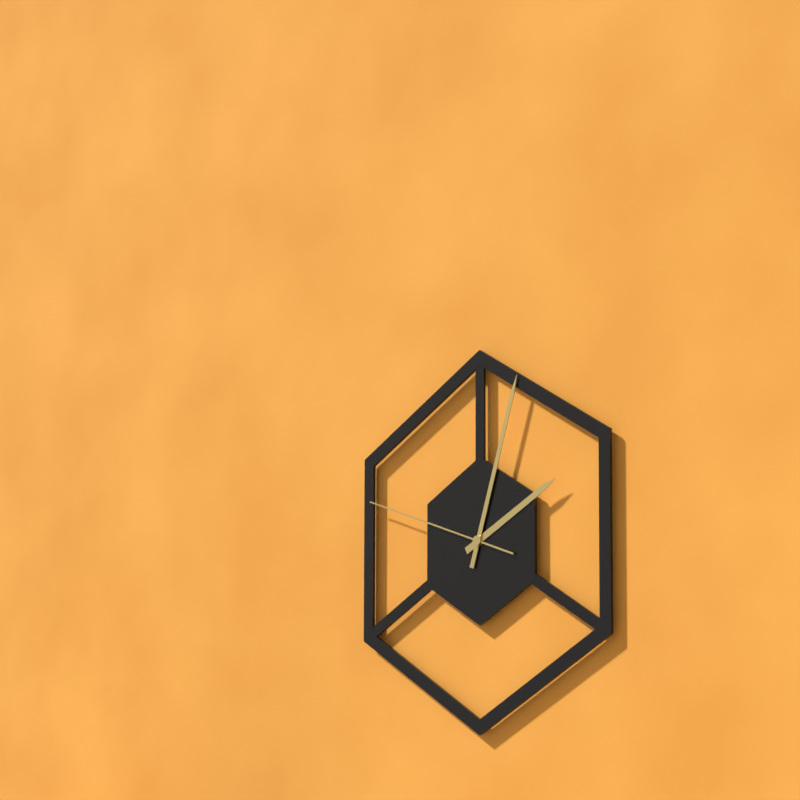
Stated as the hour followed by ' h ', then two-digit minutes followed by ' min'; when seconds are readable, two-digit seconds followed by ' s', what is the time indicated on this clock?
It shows 2 h 03 min 48 s
